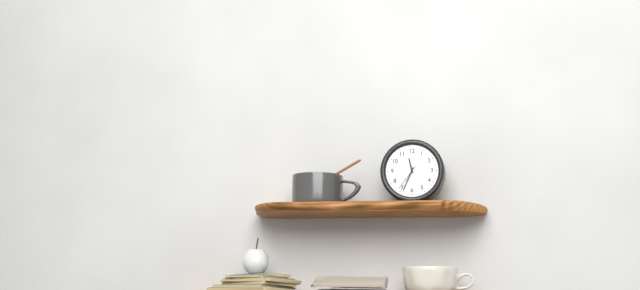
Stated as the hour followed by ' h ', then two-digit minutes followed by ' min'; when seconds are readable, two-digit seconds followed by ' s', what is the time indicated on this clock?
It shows 11 h 34 min
